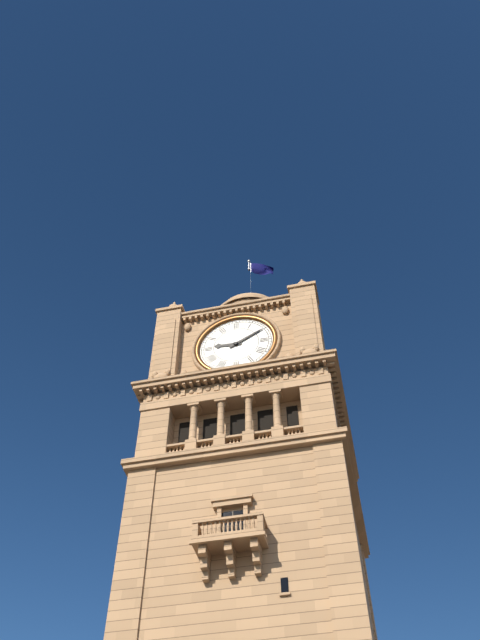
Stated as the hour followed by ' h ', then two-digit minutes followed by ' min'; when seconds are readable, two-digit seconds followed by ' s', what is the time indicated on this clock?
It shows 9 h 10 min
